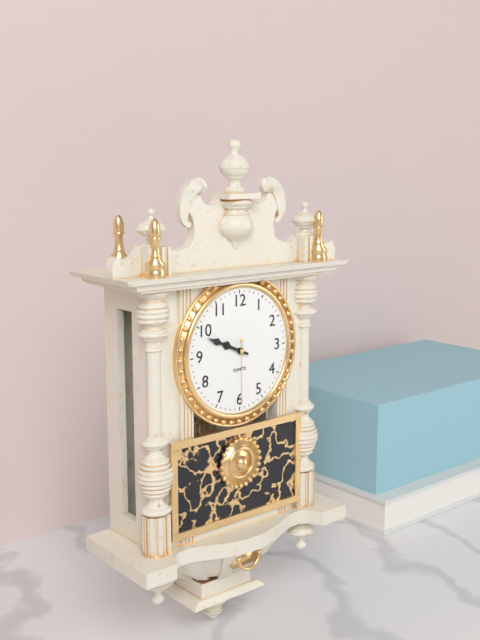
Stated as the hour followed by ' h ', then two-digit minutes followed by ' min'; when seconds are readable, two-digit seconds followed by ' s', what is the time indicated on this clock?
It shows 9 h 49 min 30 s
